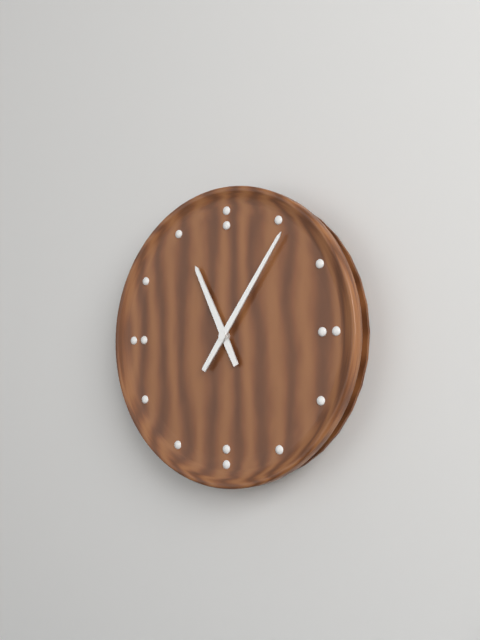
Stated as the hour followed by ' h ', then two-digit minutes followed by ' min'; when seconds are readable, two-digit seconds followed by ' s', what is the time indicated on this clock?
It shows 11 h 06 min
